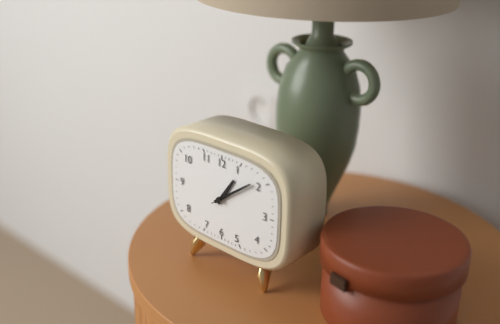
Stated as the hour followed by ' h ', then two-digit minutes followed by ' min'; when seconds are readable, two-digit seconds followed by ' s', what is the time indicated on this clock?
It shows 1 h 09 min
